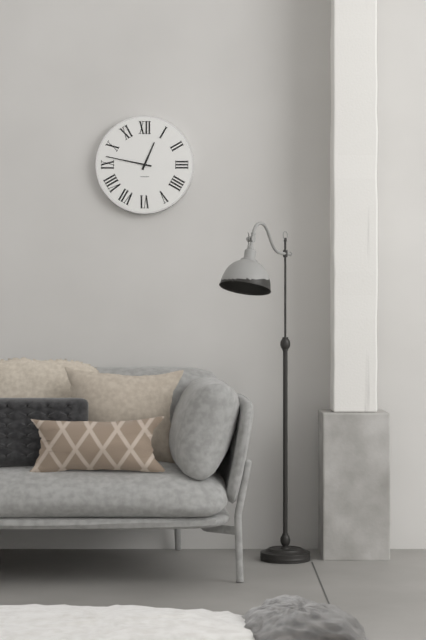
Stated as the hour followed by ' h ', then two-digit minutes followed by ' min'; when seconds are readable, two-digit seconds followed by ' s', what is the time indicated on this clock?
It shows 12 h 47 min
